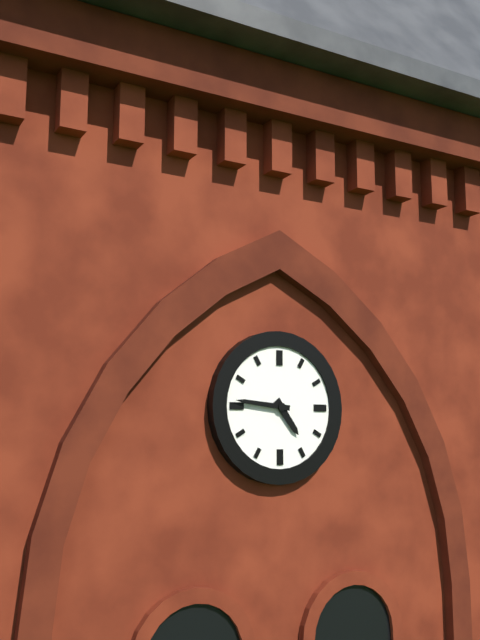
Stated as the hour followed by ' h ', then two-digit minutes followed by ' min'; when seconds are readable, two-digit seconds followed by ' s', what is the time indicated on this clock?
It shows 4 h 46 min
